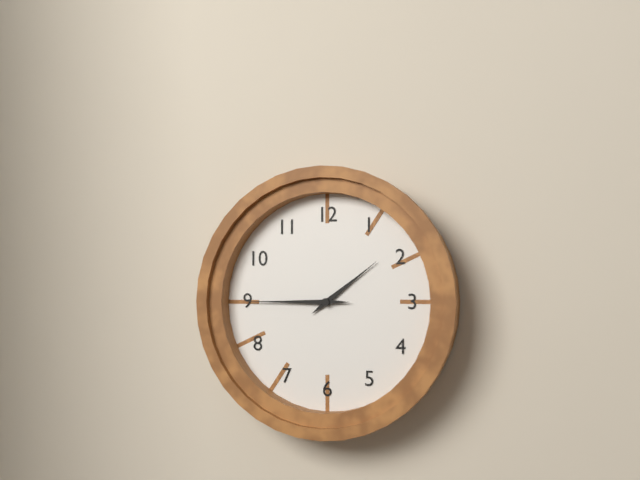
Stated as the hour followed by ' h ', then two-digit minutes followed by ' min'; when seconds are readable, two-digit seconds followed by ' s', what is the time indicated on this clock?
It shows 1 h 45 min
